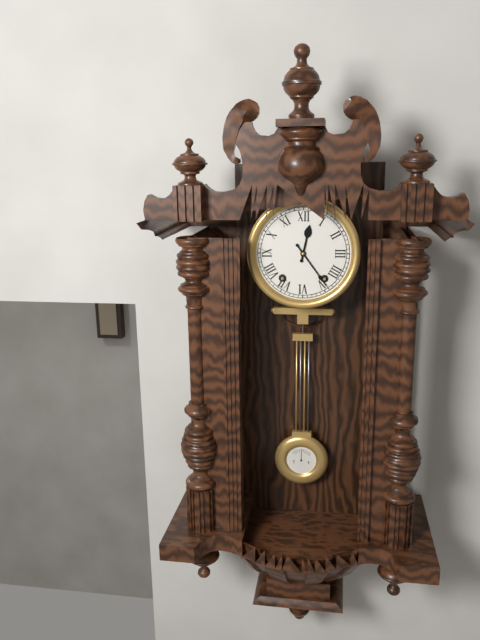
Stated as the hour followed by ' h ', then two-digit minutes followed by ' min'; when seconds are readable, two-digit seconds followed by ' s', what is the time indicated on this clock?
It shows 12 h 24 min
